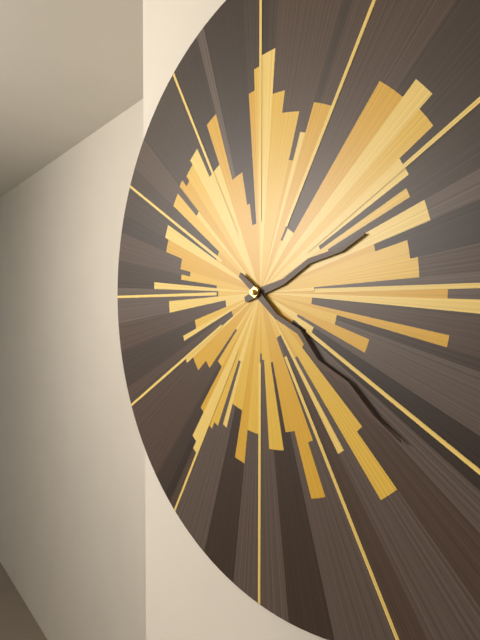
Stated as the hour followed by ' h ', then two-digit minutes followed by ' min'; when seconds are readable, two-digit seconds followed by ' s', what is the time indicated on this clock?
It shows 2 h 21 min
